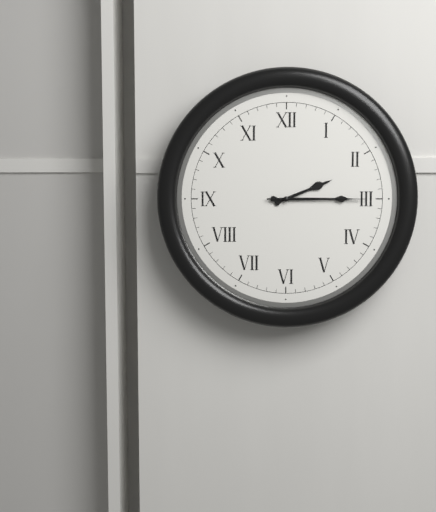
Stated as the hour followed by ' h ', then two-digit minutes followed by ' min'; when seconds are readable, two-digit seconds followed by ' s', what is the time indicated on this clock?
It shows 2 h 15 min 15 s
